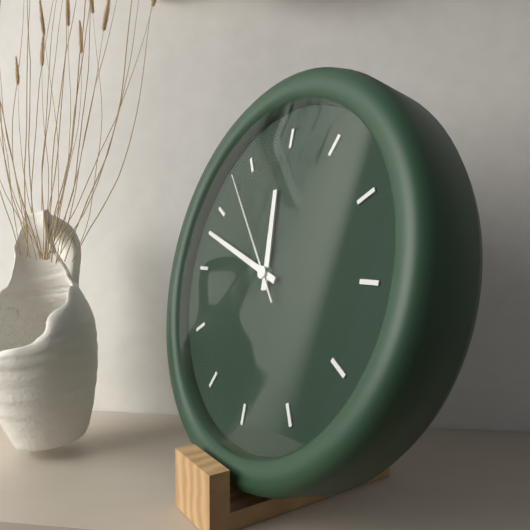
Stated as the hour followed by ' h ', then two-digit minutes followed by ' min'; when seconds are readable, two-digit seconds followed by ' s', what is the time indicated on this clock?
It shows 11 h 48 min 53 s
